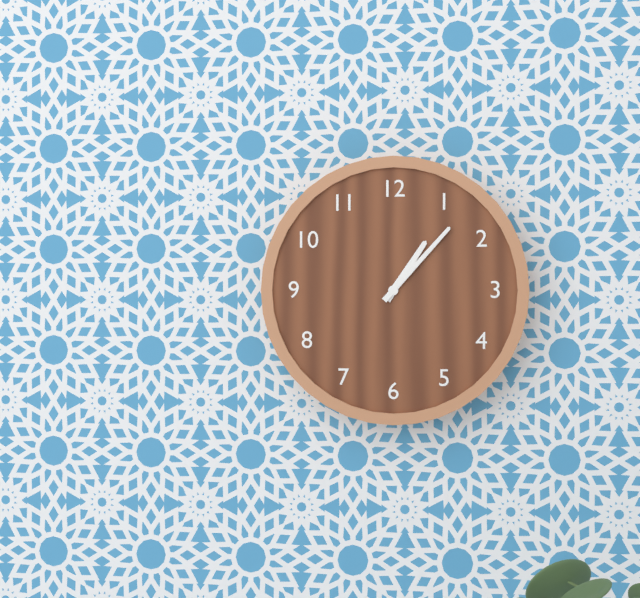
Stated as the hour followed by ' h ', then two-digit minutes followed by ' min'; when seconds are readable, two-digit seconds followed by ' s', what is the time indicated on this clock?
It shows 1 h 07 min
